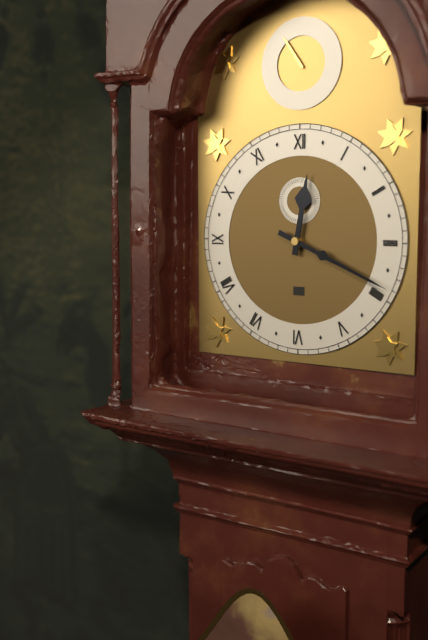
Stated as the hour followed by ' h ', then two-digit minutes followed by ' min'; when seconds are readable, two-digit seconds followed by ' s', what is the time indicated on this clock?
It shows 12 h 19 min
